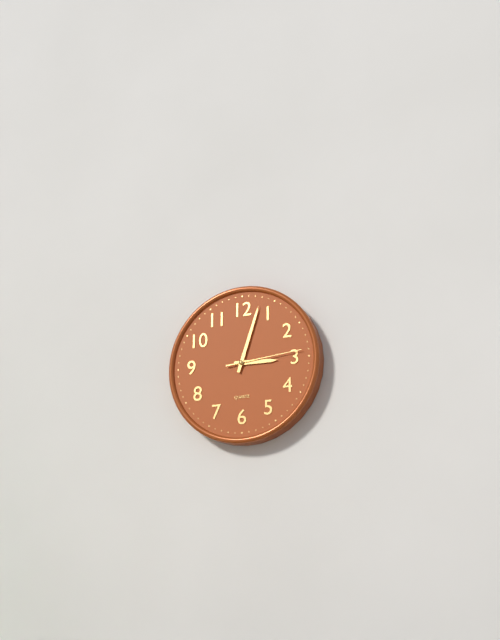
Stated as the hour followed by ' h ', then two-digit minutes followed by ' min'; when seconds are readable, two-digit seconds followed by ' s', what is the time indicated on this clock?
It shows 3 h 03 min 14 s
